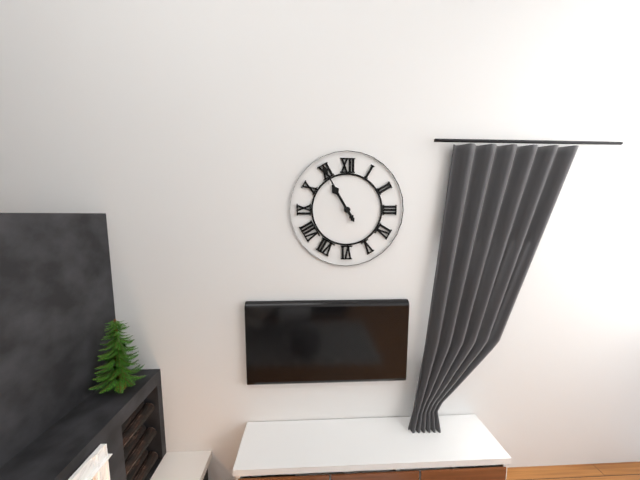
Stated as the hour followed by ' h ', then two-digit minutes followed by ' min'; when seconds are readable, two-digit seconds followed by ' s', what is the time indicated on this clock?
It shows 10 h 55 min
